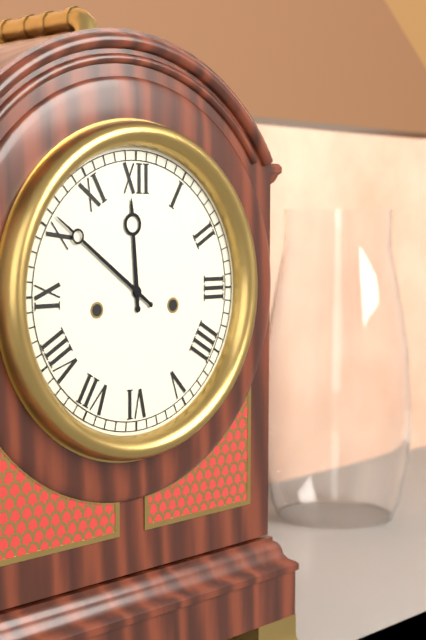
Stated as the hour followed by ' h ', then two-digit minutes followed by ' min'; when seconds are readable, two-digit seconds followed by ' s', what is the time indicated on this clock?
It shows 11 h 51 min
